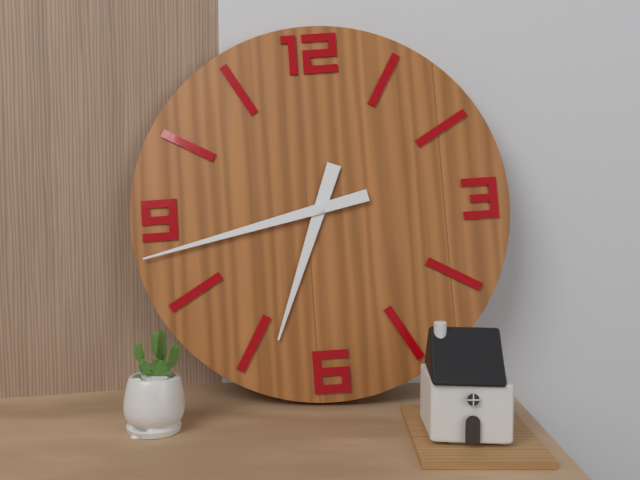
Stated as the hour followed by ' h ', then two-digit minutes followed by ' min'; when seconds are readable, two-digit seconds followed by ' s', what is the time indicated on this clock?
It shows 6 h 43 min
